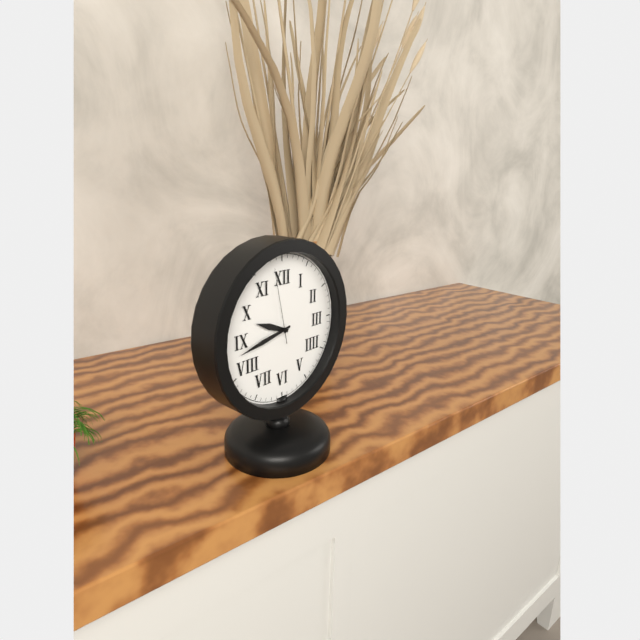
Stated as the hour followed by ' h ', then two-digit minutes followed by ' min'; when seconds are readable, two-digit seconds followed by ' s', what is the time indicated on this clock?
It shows 9 h 43 min 58 s
